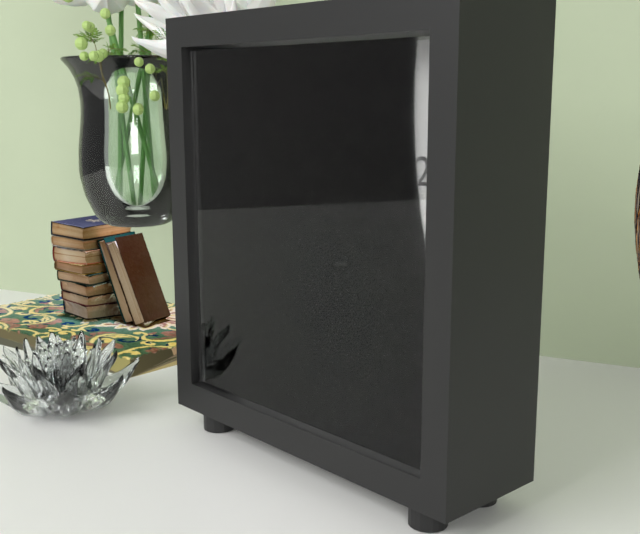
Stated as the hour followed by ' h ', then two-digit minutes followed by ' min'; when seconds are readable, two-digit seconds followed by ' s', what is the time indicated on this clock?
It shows 7 h 13 min
